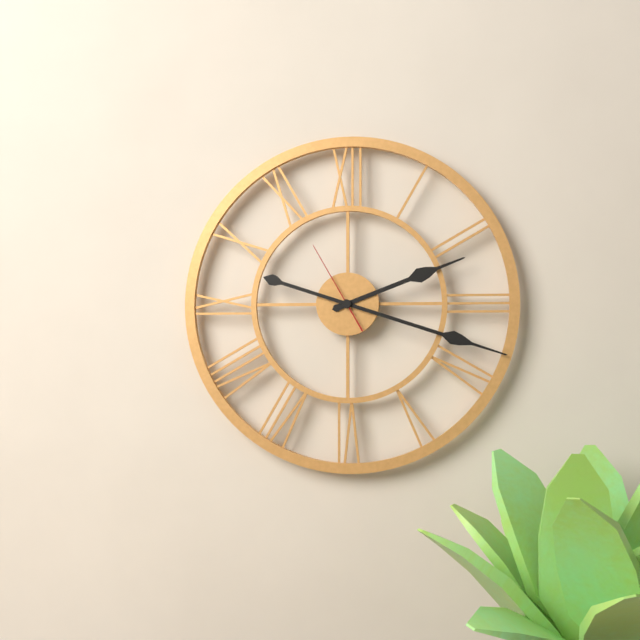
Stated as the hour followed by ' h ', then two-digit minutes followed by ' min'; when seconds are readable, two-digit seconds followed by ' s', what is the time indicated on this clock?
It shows 2 h 18 min 55 s
